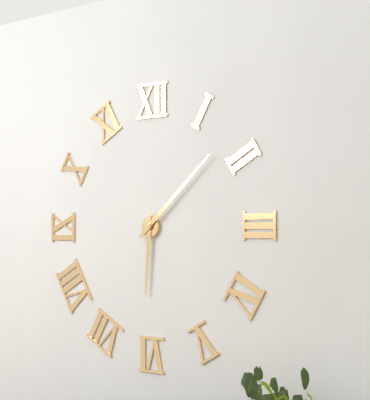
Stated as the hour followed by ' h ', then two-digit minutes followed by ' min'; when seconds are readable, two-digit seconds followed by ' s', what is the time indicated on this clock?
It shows 6 h 08 min
